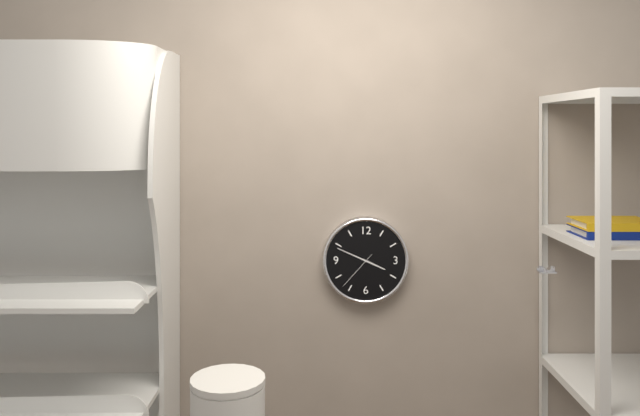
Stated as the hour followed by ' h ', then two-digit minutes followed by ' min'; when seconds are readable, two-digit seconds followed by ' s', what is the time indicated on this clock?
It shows 3 h 49 min
